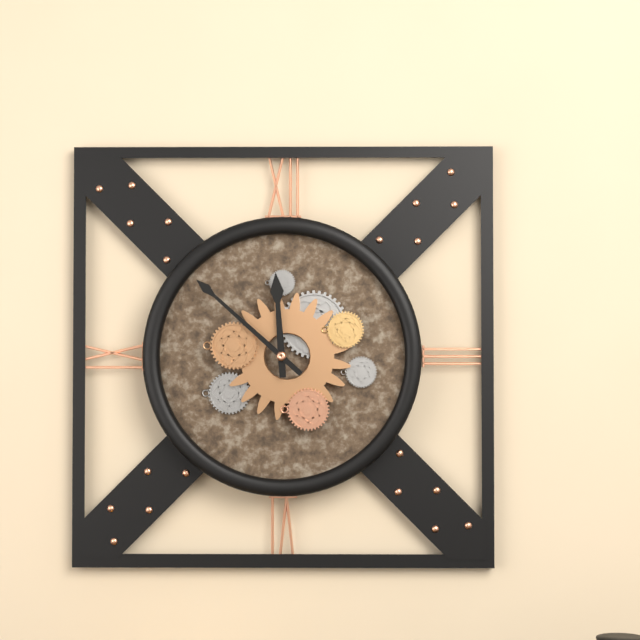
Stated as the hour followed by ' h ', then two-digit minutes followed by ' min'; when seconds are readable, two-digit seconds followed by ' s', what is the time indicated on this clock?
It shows 11 h 52 min
